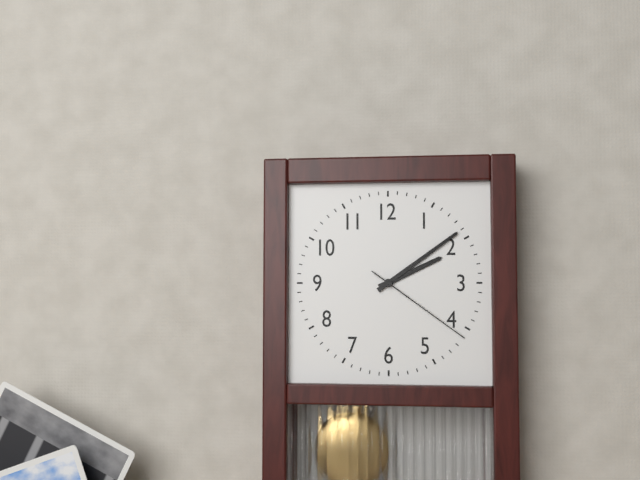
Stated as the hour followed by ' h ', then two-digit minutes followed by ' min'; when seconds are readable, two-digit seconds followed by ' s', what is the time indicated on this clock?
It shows 2 h 09 min 21 s
